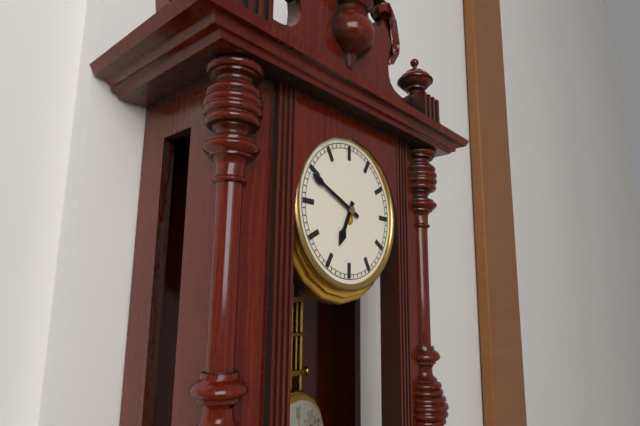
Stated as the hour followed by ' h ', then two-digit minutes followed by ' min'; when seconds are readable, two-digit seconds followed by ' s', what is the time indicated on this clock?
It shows 6 h 49 min
